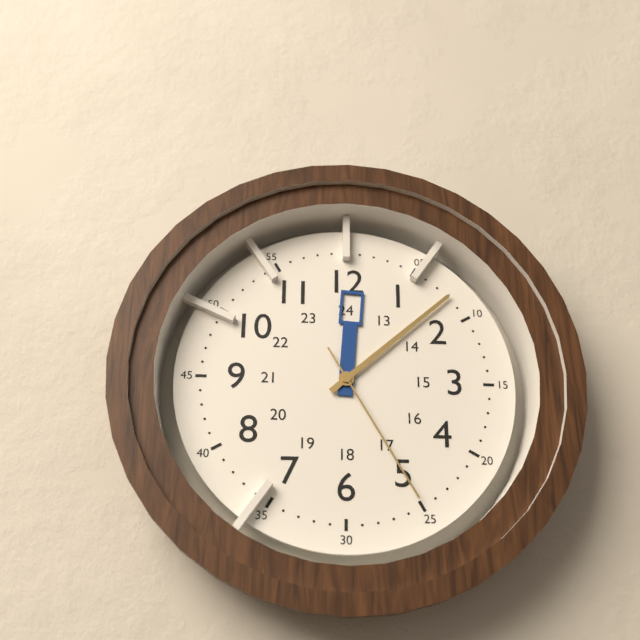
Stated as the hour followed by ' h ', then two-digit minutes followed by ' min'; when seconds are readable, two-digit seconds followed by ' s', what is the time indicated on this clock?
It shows 12 h 08 min 25 s
